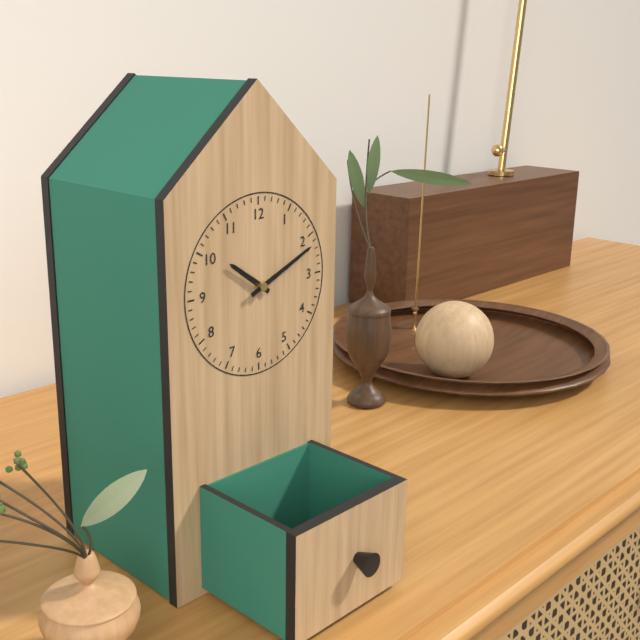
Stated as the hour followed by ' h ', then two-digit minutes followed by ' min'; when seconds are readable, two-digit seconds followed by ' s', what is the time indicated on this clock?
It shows 10 h 11 min
